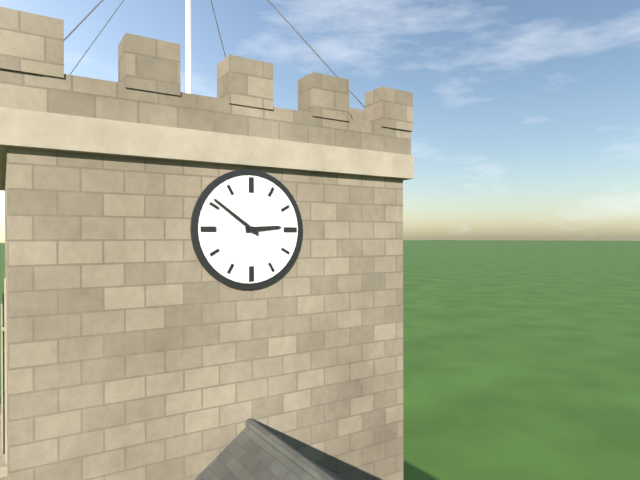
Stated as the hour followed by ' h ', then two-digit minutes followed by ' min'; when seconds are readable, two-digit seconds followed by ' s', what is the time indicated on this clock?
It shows 2 h 51 min
